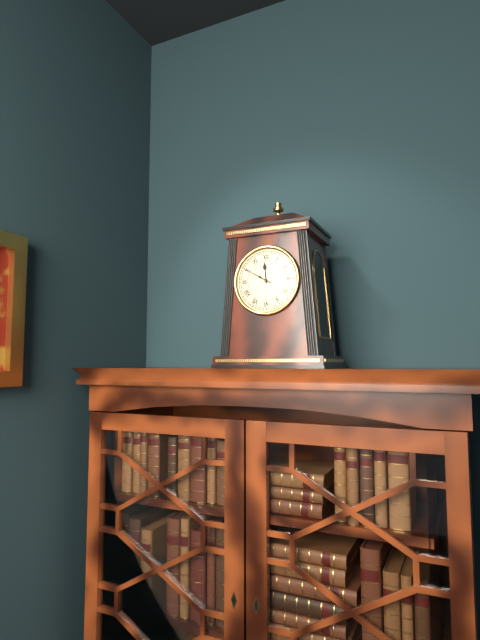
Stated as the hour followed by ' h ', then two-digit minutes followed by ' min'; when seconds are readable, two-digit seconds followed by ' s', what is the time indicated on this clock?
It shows 11 h 50 min
